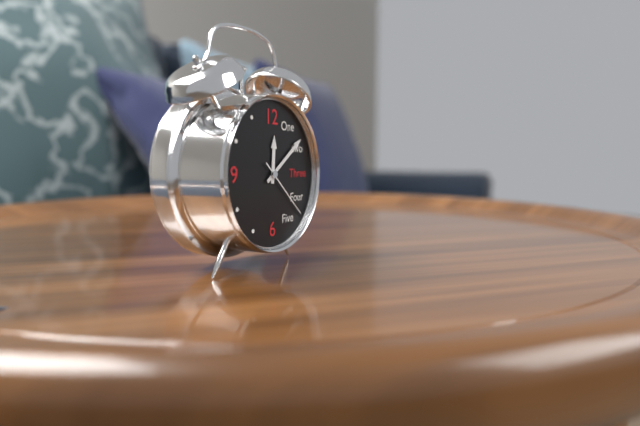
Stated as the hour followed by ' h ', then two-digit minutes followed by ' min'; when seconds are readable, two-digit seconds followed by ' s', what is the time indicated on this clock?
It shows 12 h 09 min 22 s
